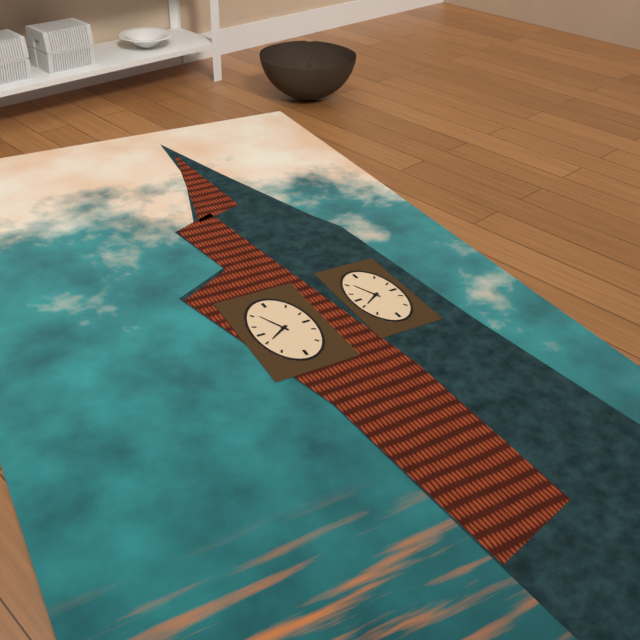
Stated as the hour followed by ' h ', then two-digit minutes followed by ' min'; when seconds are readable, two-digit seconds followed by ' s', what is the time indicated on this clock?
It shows 7 h 56 min
